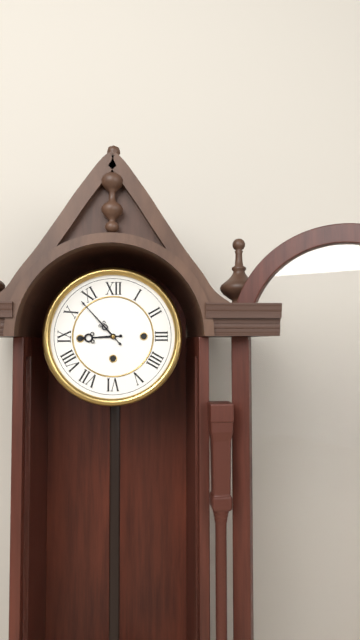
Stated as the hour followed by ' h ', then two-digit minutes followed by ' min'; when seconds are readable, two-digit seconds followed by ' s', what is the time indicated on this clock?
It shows 8 h 53 min
